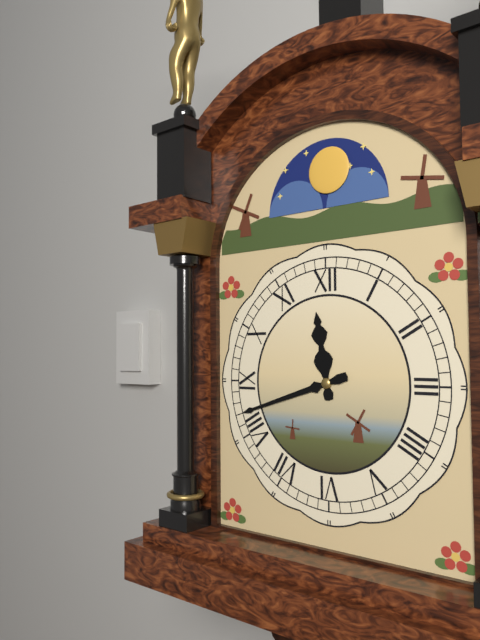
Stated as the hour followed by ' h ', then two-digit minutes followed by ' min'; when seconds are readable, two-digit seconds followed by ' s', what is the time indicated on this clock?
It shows 11 h 42 min
